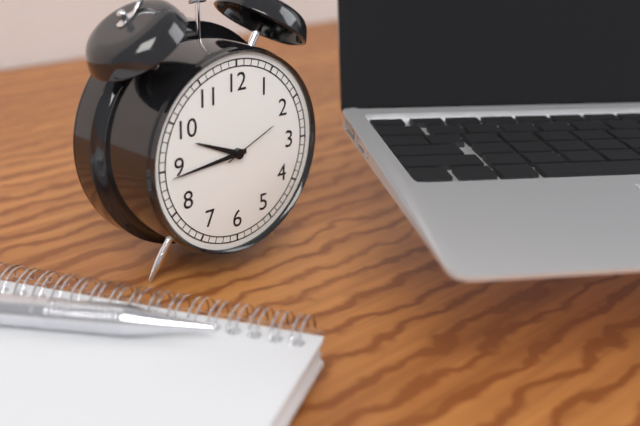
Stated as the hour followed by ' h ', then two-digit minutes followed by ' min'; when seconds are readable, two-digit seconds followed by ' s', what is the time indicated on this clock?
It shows 9 h 44 min 11 s
